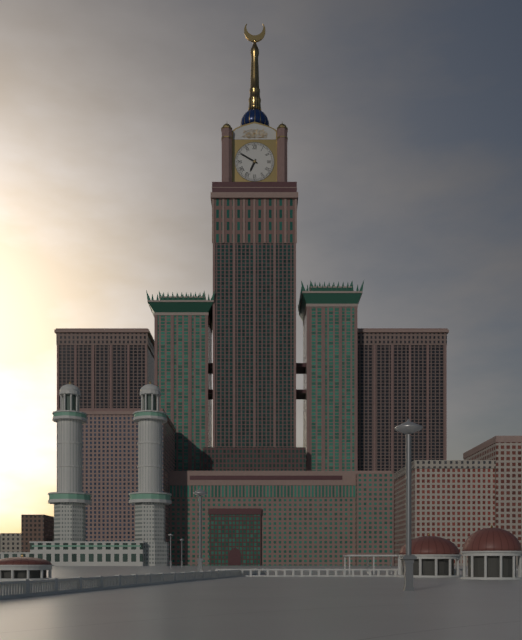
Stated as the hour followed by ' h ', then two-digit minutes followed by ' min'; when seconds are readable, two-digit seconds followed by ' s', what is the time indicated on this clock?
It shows 6 h 50 min
